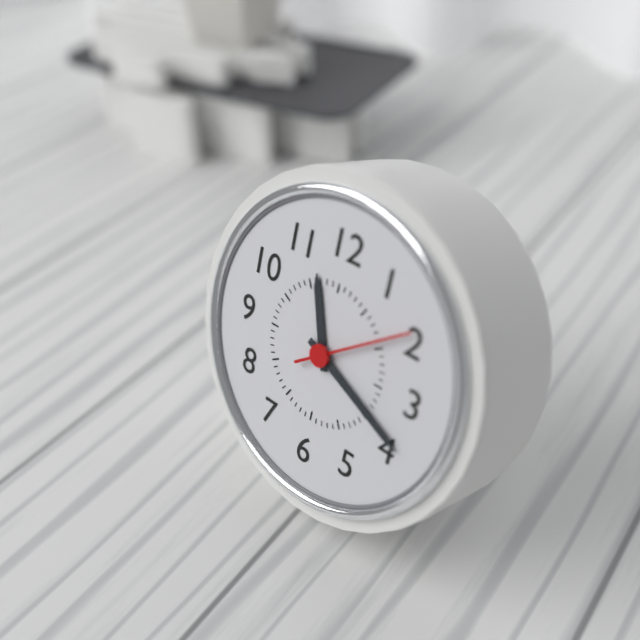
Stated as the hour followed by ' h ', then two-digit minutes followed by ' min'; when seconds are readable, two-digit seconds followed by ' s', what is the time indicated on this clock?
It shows 11 h 19 min 09 s
